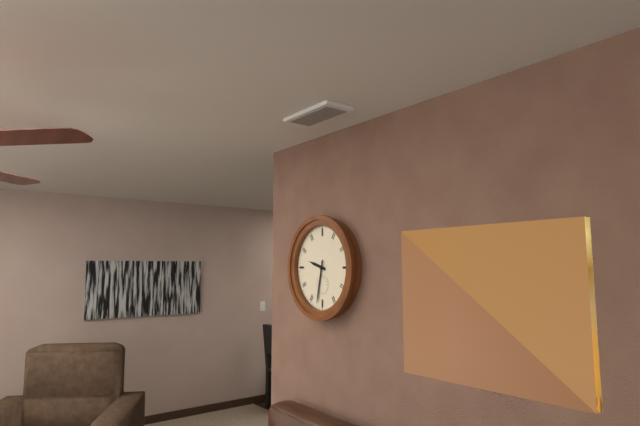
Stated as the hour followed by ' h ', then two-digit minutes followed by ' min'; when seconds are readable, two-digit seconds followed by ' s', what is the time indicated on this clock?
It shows 9 h 32 min
